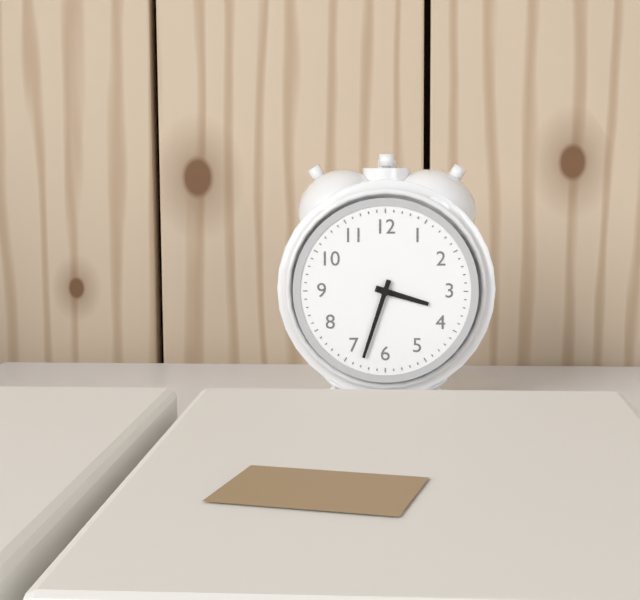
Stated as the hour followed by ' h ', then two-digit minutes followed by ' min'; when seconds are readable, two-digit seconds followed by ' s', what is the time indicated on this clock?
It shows 3 h 33 min
